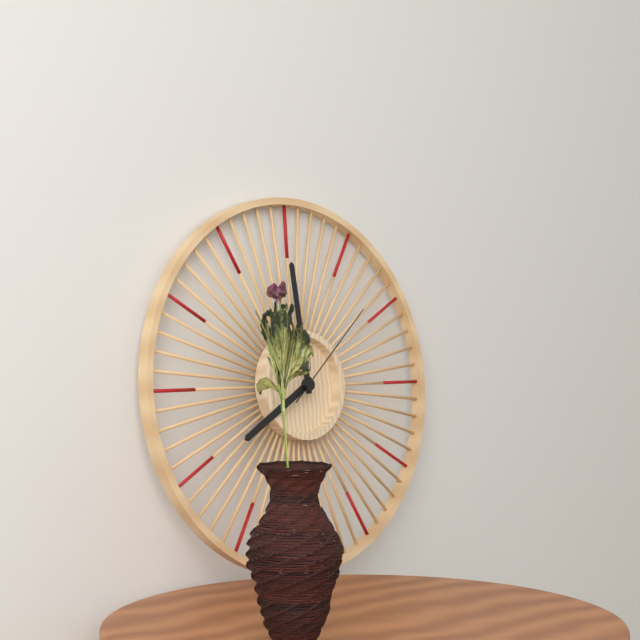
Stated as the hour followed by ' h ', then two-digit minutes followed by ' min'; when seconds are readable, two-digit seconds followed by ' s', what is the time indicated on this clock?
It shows 7 h 59 min 08 s
